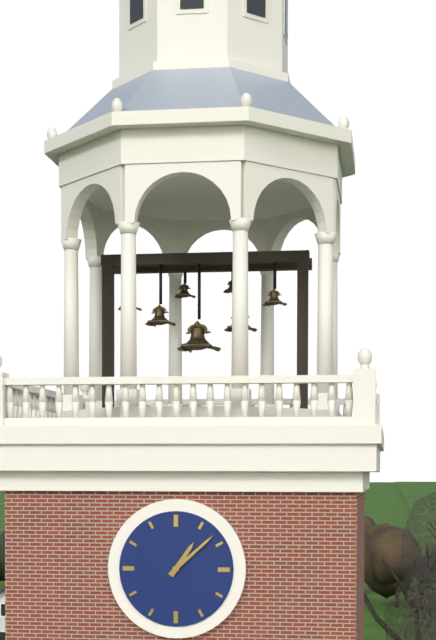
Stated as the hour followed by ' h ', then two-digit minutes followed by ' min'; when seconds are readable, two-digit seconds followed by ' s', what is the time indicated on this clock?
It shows 1 h 08 min
